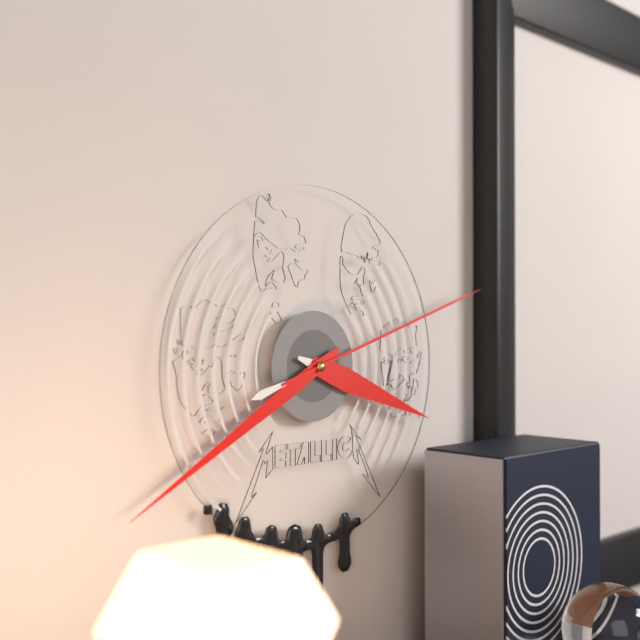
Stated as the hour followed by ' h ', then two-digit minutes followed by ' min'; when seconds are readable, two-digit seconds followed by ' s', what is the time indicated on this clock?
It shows 3 h 40 min 12 s
